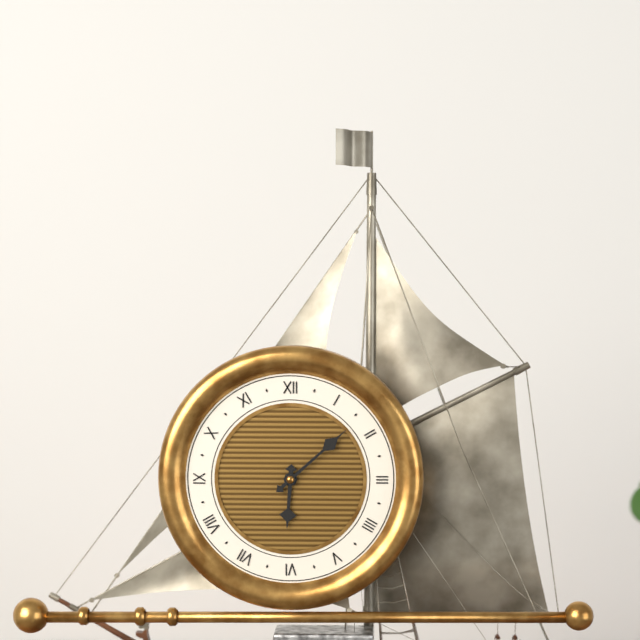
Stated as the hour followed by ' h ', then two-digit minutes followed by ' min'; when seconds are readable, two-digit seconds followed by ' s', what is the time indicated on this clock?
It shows 6 h 08 min
